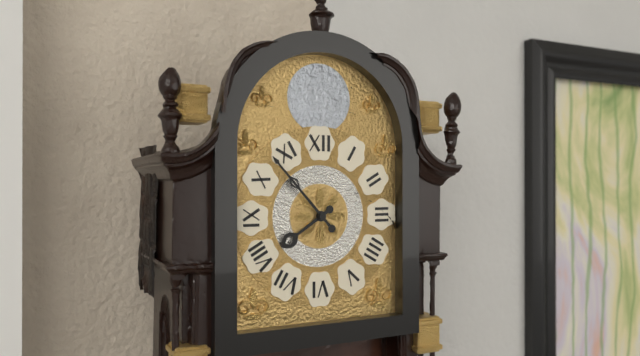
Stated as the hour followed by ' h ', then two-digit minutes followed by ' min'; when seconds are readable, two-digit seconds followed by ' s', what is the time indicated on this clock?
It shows 7 h 53 min
